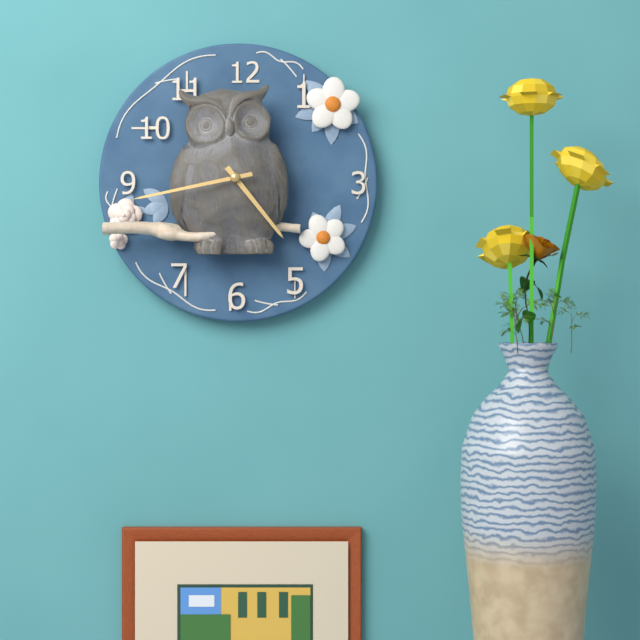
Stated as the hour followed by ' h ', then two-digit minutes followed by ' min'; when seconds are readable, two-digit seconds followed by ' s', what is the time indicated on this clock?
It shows 4 h 43 min
